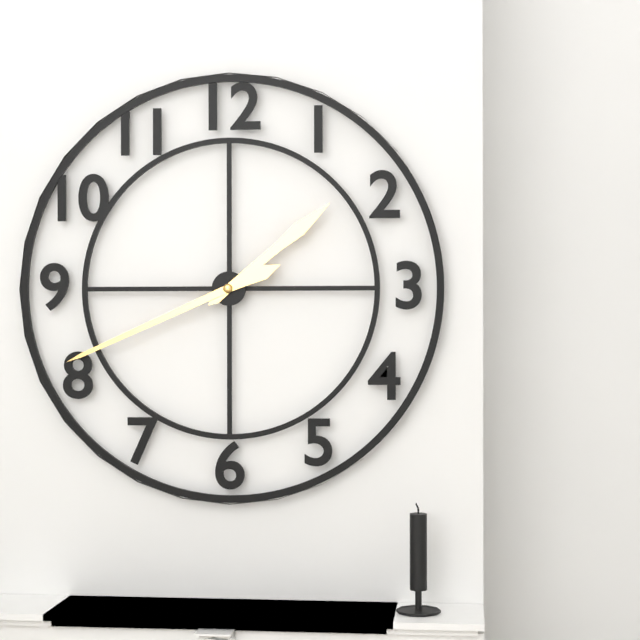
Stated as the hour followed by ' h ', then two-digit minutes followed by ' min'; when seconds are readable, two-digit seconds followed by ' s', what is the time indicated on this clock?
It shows 1 h 41 min
